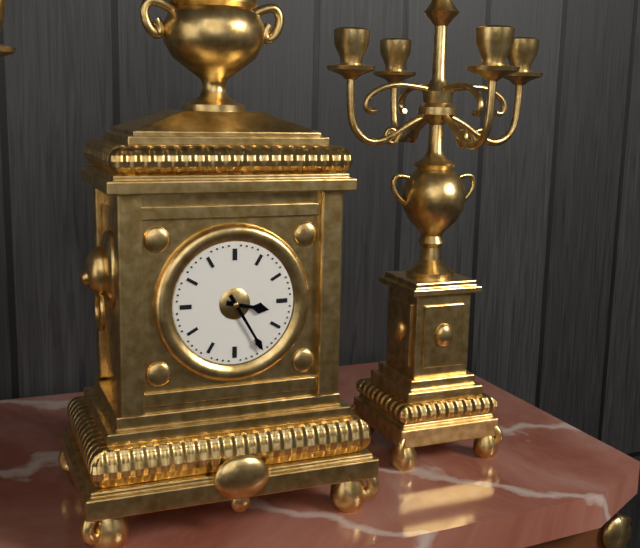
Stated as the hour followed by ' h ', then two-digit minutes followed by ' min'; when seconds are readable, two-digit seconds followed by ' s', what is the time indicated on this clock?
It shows 3 h 25 min
